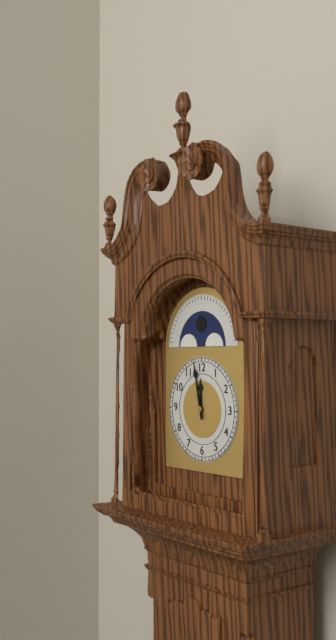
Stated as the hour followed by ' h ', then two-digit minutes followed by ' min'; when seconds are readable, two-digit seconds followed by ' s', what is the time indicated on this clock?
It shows 11 h 58 min
